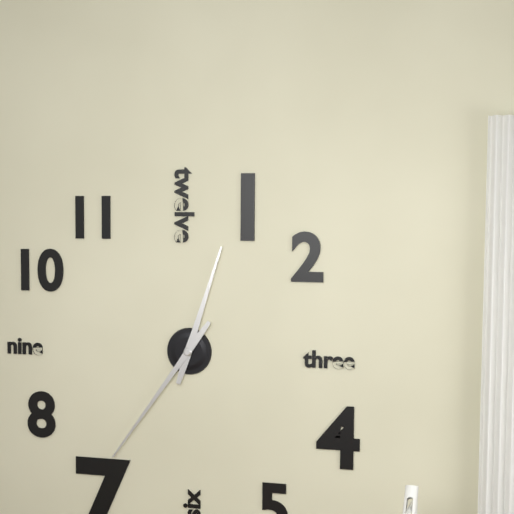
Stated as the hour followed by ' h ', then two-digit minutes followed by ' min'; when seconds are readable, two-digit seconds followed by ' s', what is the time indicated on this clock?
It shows 12 h 36 min
